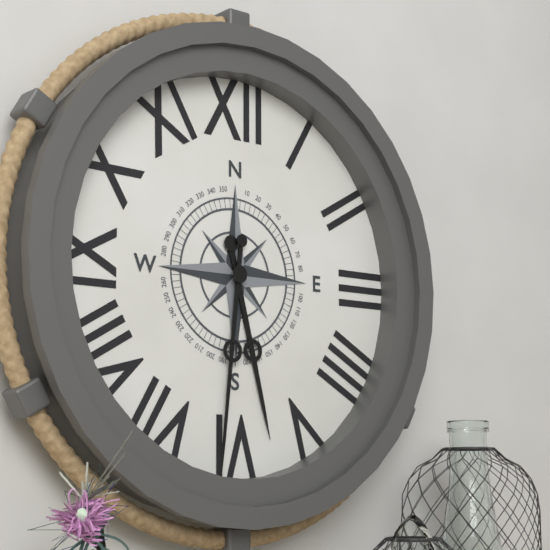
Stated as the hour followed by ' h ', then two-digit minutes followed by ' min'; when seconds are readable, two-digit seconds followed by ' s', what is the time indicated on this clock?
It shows 5 h 31 min
